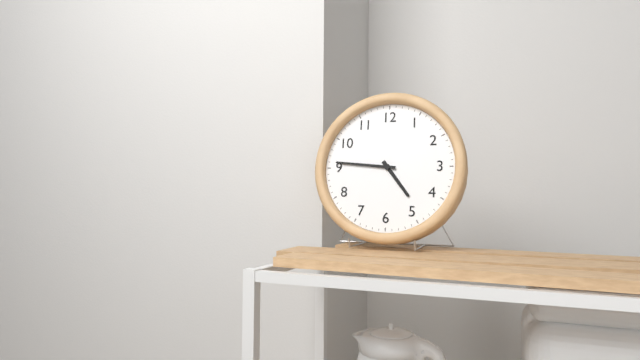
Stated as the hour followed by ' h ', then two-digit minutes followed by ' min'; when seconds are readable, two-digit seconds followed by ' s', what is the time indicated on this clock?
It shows 4 h 46 min
